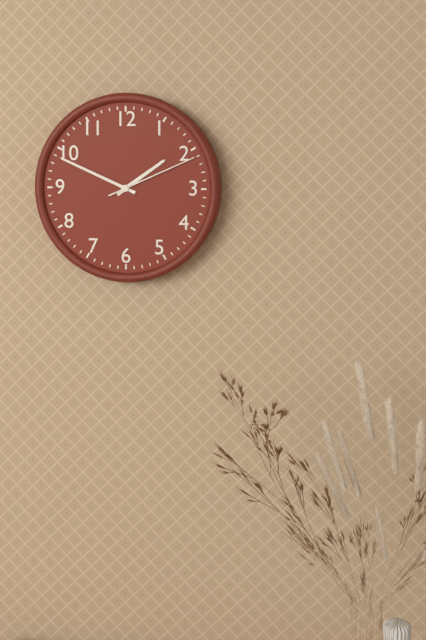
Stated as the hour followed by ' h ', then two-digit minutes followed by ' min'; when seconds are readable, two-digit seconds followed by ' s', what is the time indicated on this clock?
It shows 1 h 49 min 11 s
